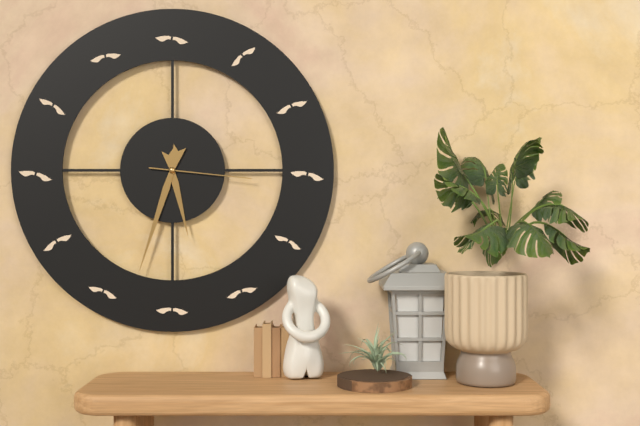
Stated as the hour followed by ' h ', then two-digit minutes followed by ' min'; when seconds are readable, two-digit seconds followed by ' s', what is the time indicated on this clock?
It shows 5 h 33 min 16 s
